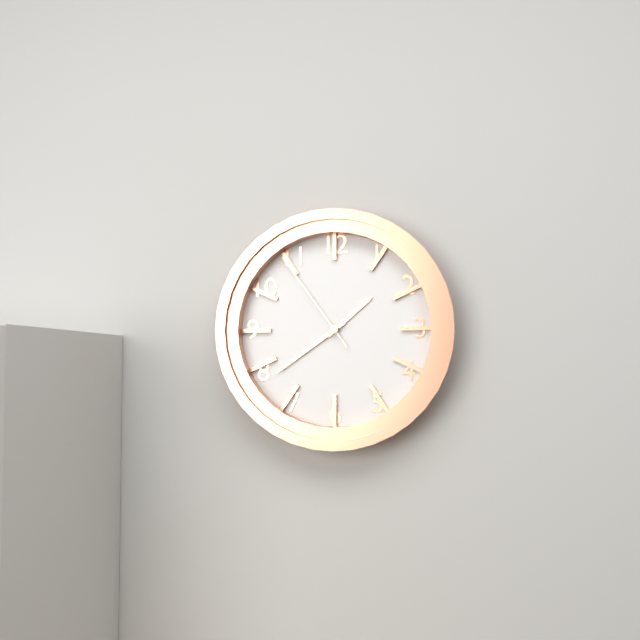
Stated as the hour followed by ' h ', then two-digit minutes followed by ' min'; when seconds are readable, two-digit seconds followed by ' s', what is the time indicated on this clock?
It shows 1 h 39 min 54 s
